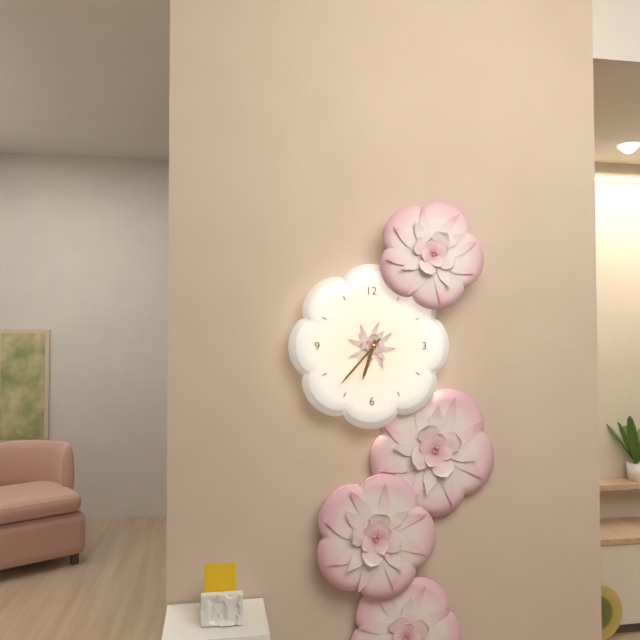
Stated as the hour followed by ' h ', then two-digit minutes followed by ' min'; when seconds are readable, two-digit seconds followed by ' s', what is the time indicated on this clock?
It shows 6 h 37 min
